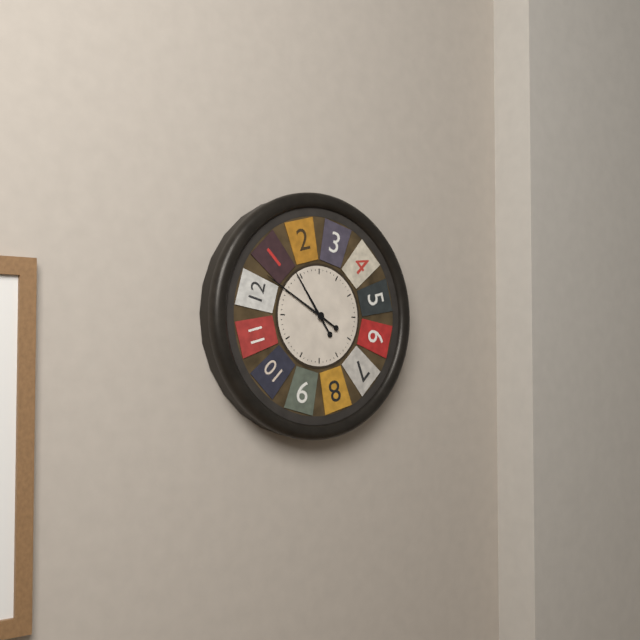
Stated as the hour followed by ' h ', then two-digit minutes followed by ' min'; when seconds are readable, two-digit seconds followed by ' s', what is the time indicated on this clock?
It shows 10 h 50 min
